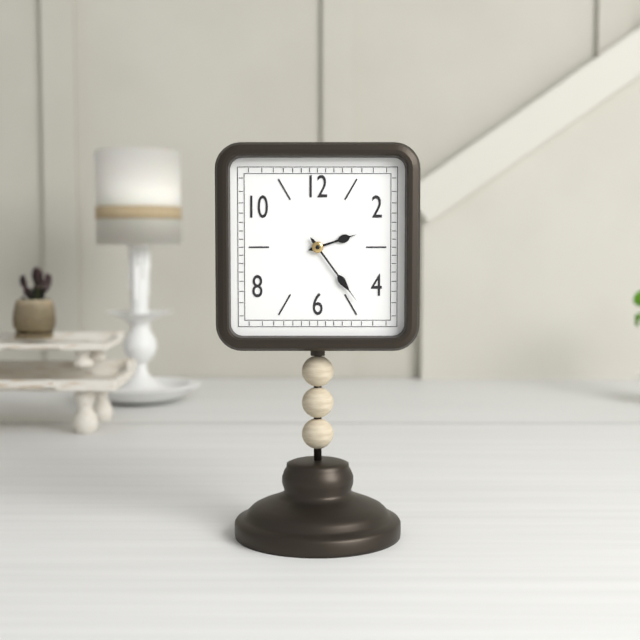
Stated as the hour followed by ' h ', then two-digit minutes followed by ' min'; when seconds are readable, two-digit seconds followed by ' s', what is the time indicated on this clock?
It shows 2 h 24 min
